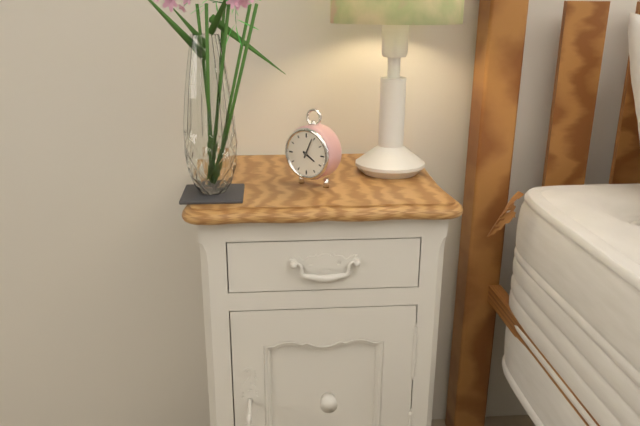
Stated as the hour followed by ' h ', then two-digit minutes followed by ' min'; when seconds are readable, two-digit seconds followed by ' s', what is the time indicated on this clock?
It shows 4 h 04 min
